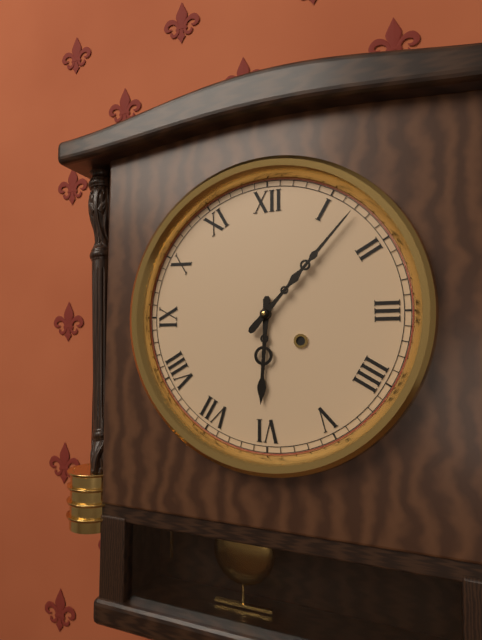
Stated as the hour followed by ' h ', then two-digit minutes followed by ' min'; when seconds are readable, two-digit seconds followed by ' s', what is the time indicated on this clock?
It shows 6 h 07 min
